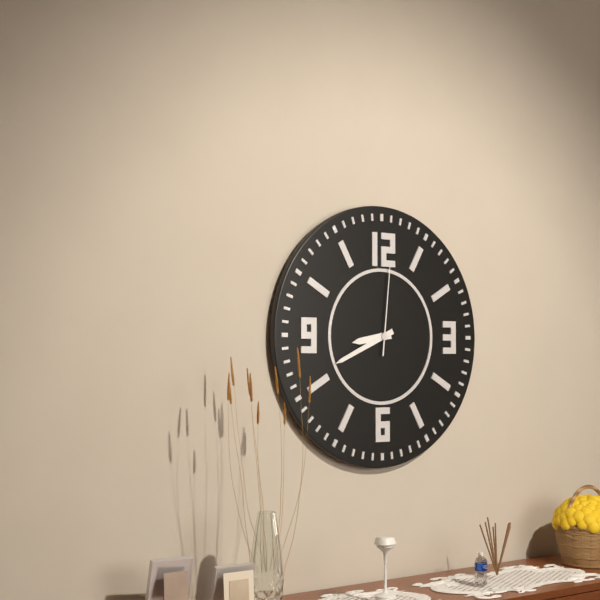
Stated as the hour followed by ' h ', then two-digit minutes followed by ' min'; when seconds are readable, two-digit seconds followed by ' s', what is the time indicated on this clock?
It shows 8 h 41 min 01 s
